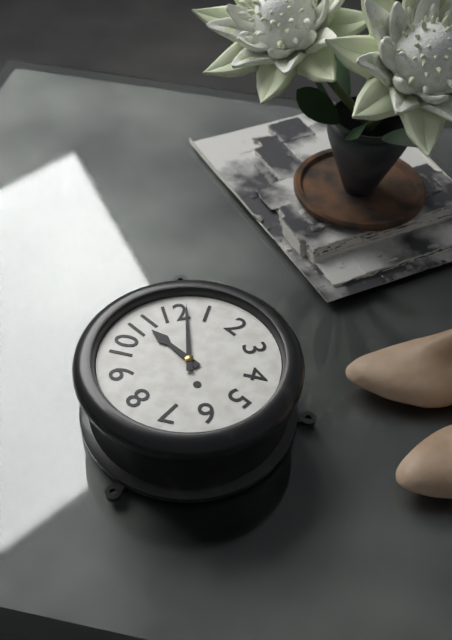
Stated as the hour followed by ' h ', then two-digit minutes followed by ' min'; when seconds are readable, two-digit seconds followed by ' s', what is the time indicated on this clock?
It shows 11 h 02 min
